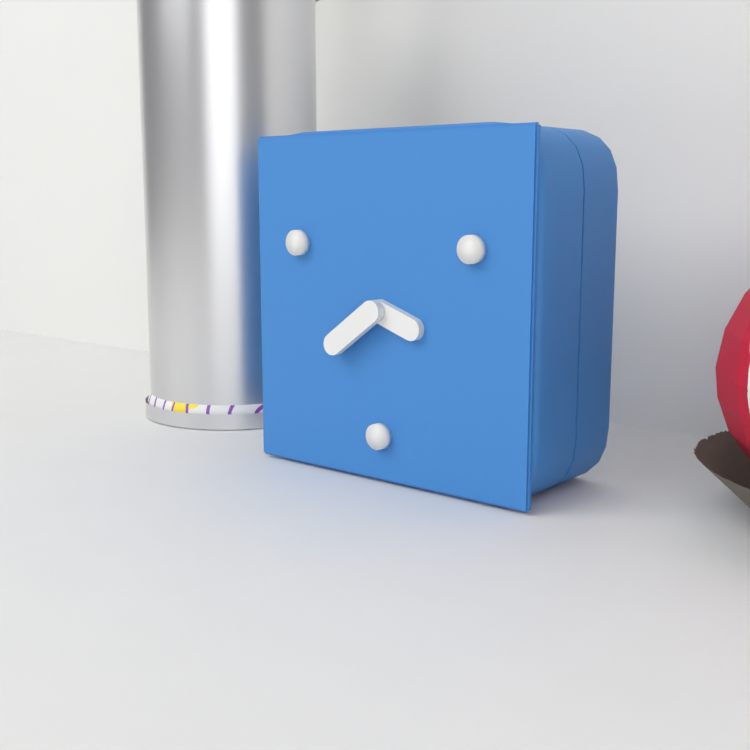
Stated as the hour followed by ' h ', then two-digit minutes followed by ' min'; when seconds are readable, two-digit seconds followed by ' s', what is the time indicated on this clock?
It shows 3 h 39 min
